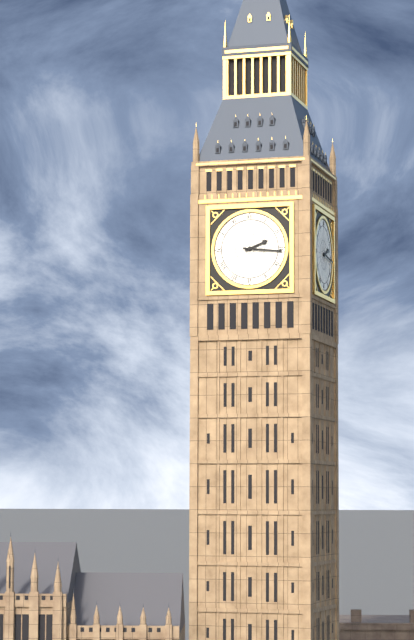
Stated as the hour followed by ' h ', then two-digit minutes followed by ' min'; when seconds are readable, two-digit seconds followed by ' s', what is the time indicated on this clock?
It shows 2 h 16 min
